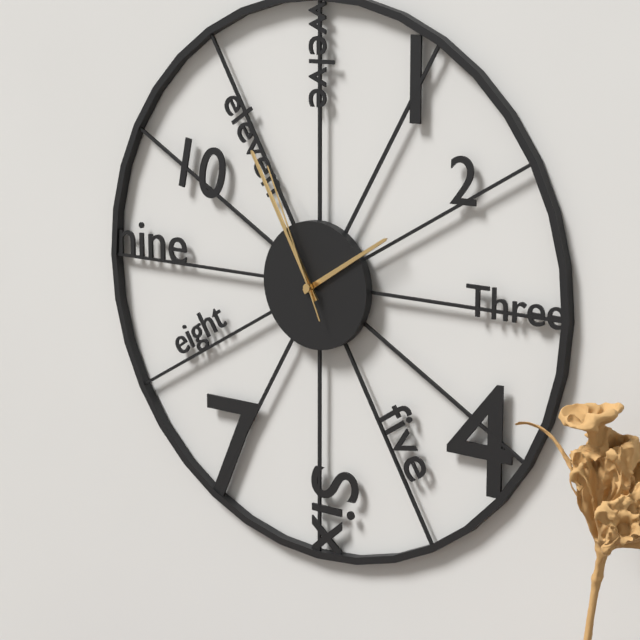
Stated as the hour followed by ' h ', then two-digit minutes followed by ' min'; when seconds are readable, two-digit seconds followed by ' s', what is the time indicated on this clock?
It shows 1 h 55 min 56 s
